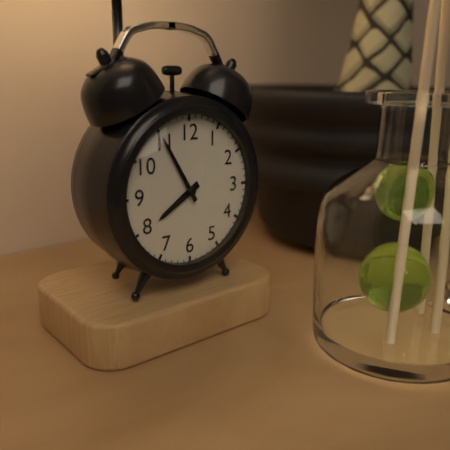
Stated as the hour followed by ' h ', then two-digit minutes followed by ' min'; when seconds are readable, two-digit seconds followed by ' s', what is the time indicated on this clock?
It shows 7 h 55 min
